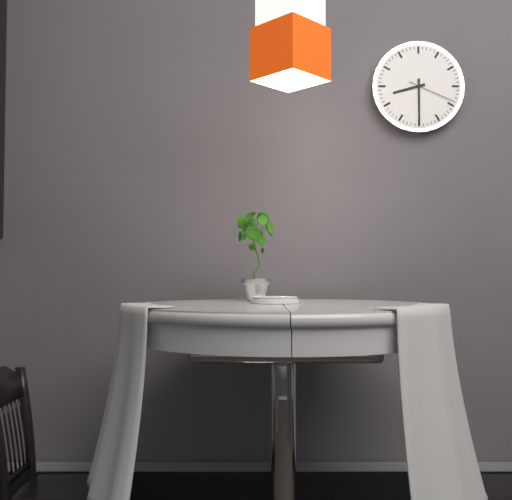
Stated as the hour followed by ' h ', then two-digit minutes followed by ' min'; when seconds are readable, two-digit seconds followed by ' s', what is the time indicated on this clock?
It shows 8 h 30 min
